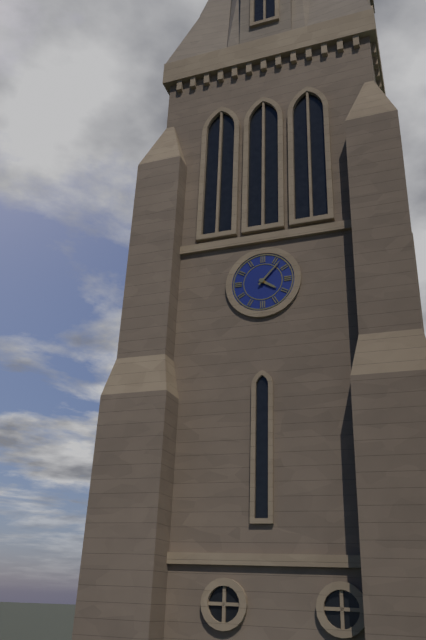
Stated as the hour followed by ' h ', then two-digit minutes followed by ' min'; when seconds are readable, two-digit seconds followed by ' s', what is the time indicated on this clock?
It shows 4 h 07 min
